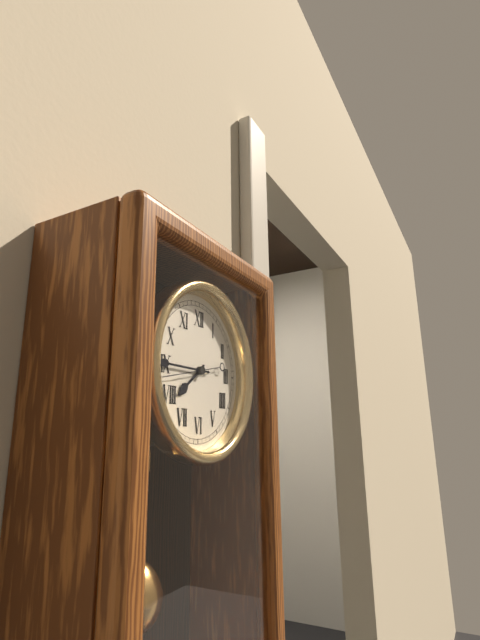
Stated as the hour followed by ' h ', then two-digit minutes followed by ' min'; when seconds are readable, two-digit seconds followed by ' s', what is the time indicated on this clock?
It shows 7 h 45 min 43 s
